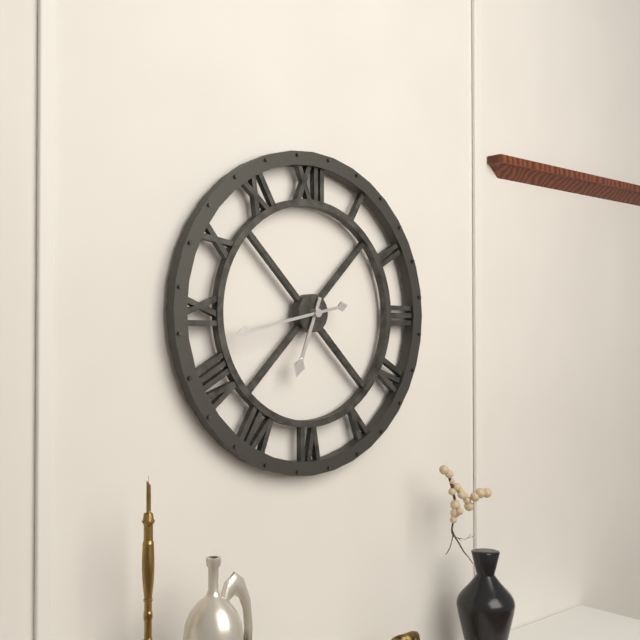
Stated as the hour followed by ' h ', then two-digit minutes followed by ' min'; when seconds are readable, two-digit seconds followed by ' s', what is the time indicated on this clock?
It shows 6 h 43 min
